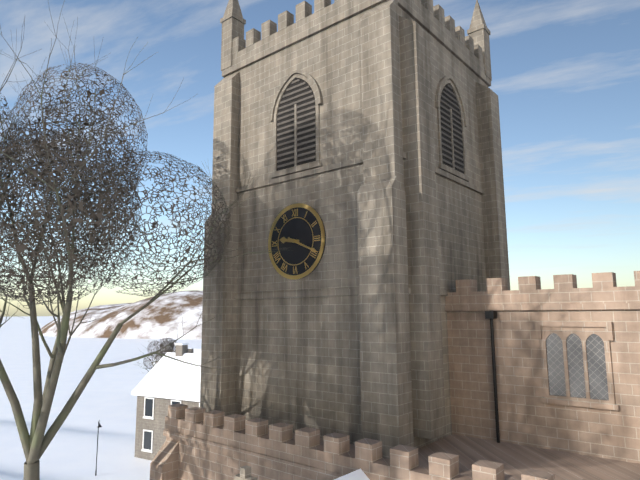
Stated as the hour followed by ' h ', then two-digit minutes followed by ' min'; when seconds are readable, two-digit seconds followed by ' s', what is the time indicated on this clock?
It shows 9 h 19 min
